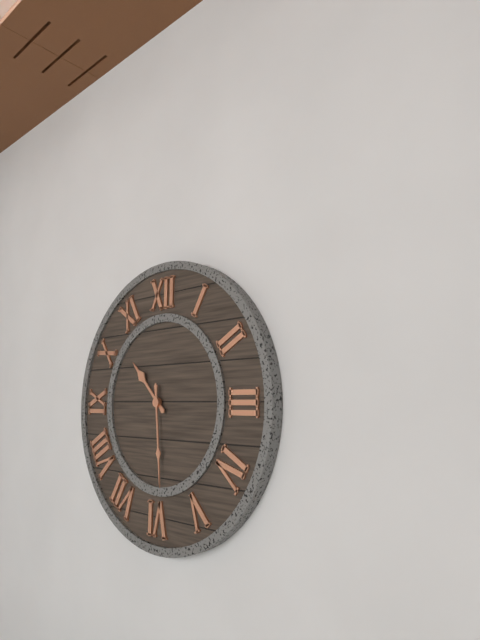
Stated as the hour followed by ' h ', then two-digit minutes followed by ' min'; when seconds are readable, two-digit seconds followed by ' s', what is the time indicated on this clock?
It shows 10 h 29 min
